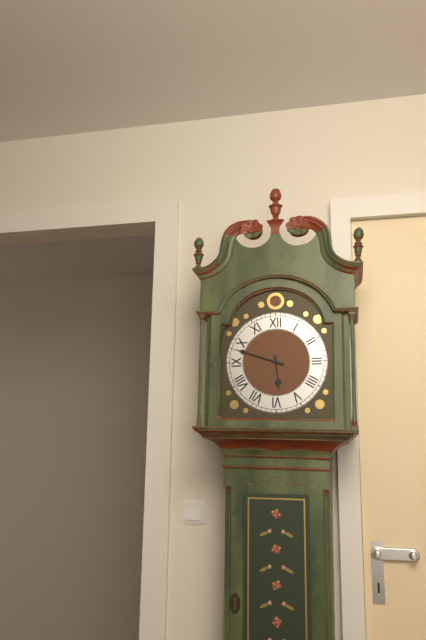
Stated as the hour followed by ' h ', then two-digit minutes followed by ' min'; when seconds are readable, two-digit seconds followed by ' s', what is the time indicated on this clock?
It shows 5 h 48 min
